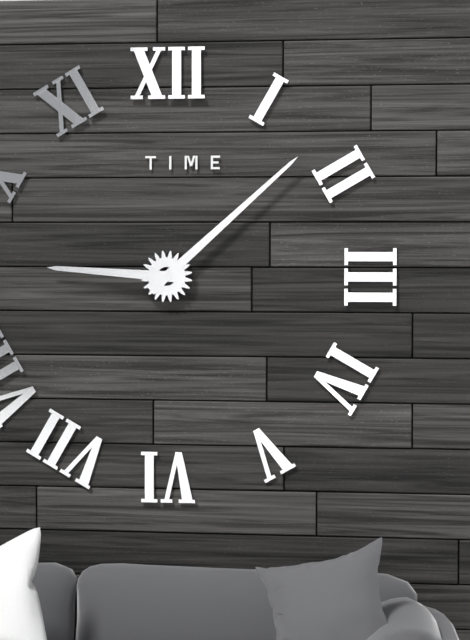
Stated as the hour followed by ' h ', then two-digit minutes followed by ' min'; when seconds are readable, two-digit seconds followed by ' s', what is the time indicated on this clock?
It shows 9 h 08 min
